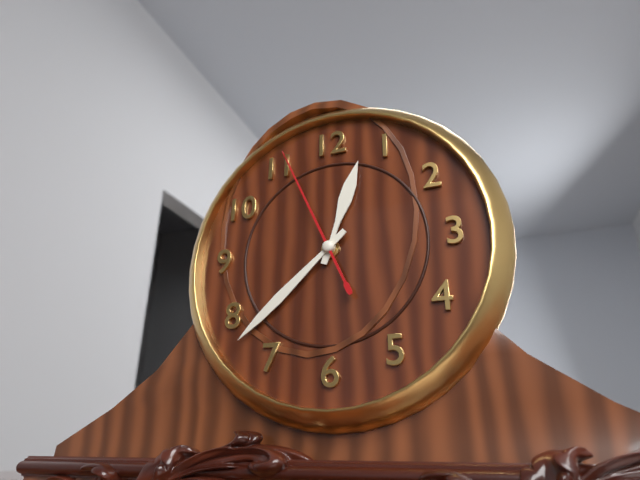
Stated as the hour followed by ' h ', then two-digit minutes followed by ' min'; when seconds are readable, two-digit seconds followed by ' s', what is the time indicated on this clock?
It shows 12 h 38 min 56 s
